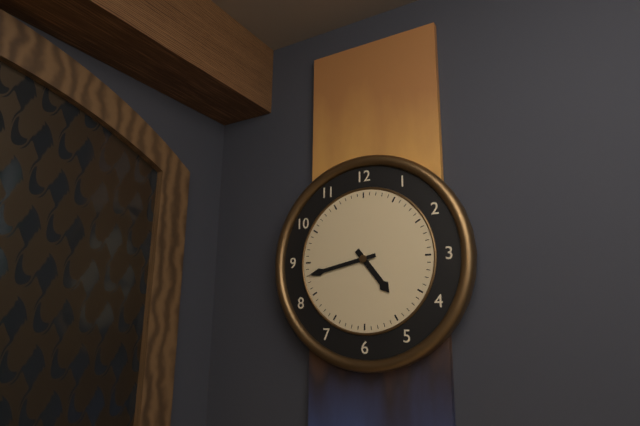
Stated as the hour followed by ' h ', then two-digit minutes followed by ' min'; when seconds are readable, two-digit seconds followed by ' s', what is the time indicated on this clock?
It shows 4 h 43 min
